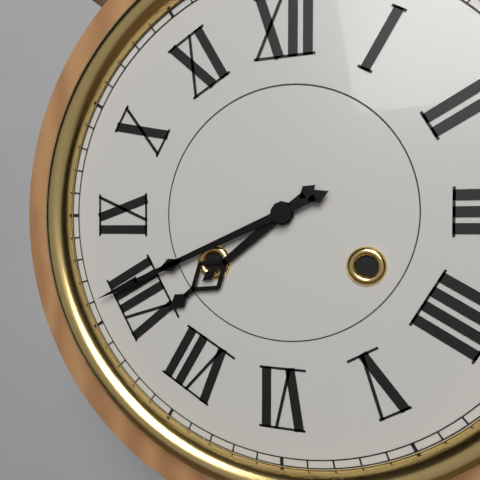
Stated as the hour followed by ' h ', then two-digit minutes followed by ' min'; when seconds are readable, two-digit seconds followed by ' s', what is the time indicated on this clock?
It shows 7 h 41 min
